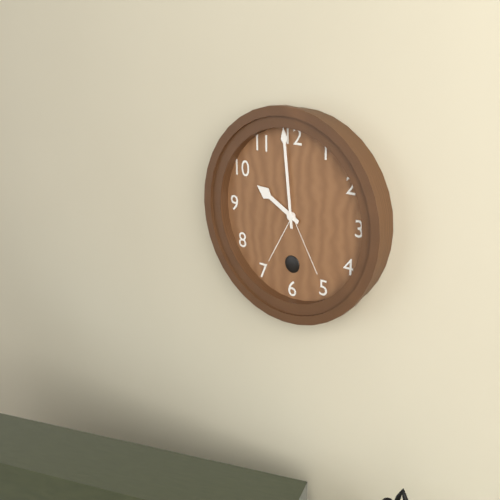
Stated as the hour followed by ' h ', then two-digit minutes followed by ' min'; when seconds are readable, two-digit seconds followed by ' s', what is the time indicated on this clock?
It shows 9 h 59 min
